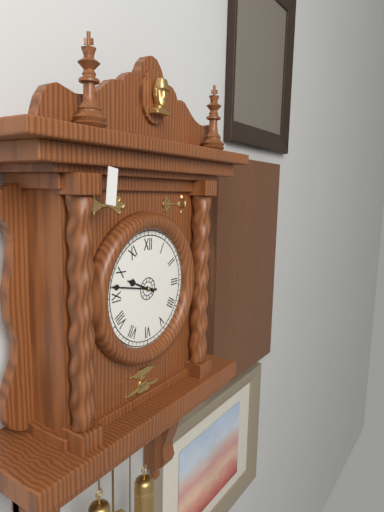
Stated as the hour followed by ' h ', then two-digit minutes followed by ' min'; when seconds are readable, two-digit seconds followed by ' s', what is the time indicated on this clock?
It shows 9 h 47 min
